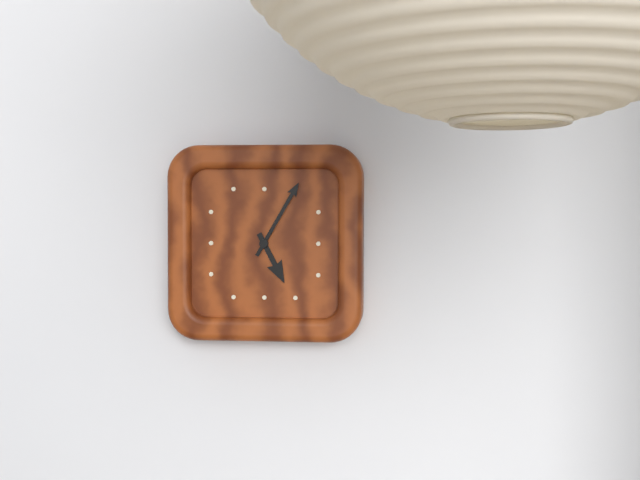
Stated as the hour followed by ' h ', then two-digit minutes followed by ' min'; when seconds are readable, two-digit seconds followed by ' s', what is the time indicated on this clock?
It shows 5 h 05 min
